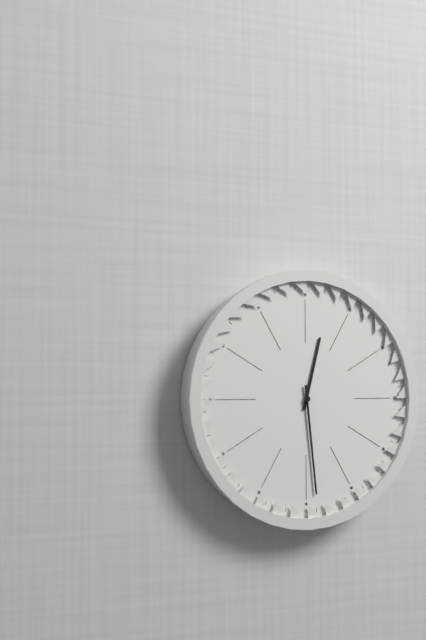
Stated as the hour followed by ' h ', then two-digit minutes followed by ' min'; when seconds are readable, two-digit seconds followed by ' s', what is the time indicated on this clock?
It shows 12 h 29 min
